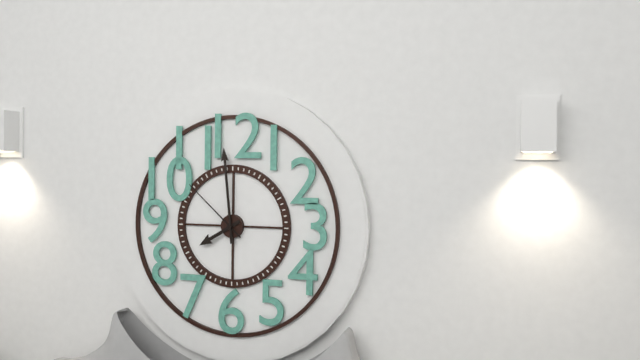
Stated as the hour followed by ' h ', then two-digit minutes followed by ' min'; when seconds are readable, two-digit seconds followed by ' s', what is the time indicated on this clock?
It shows 7 h 59 min 52 s
